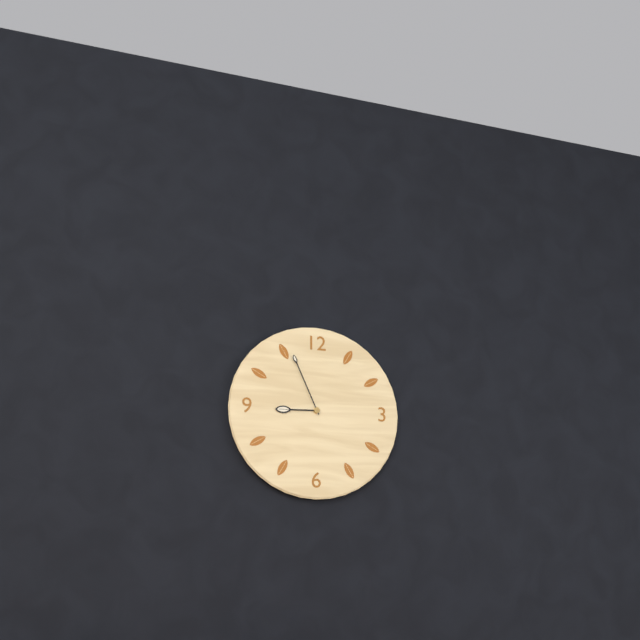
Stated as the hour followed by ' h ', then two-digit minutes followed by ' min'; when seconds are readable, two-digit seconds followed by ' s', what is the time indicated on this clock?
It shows 8 h 56 min
